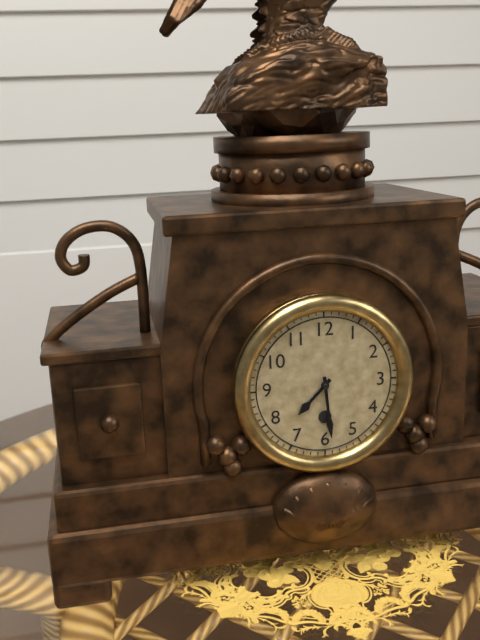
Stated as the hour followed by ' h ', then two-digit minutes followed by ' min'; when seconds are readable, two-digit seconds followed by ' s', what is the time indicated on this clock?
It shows 7 h 29 min
